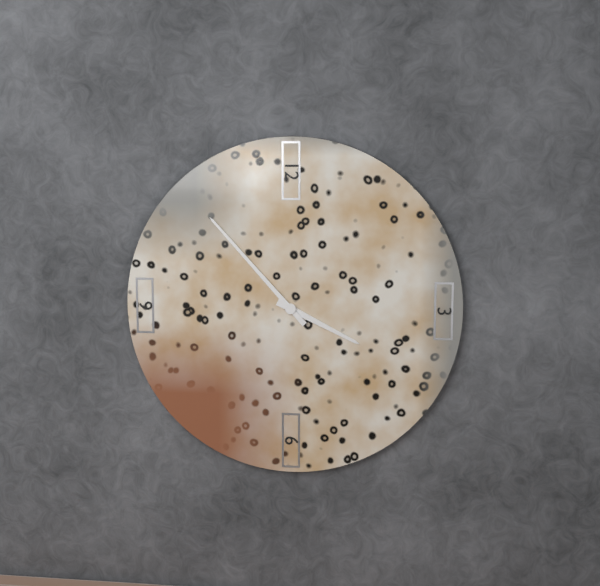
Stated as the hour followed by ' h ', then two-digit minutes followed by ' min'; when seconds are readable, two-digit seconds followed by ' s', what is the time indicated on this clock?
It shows 3 h 53 min
